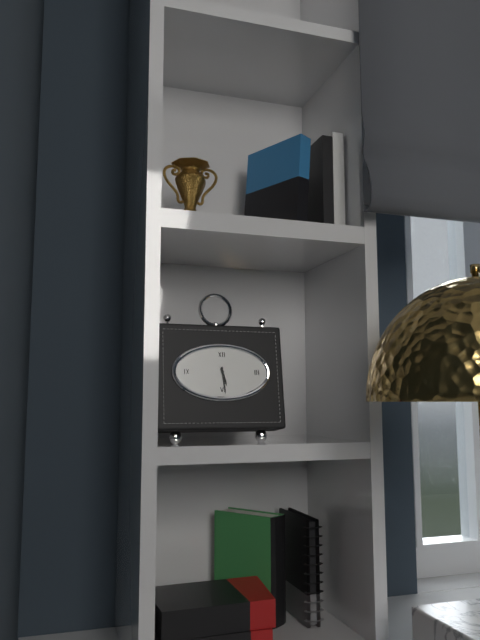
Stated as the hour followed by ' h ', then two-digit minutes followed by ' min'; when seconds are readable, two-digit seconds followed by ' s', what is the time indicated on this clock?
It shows 5 h 29 min
